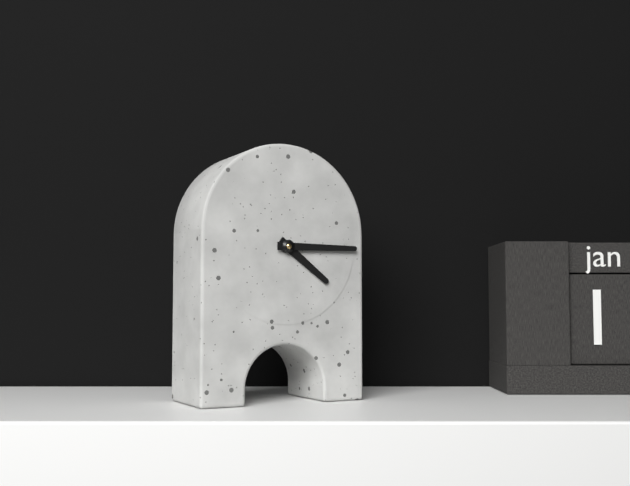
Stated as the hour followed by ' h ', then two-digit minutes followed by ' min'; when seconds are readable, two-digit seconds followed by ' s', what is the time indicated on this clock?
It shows 4 h 15 min
